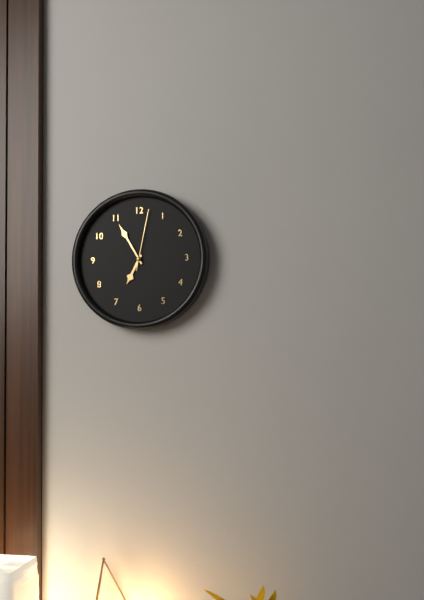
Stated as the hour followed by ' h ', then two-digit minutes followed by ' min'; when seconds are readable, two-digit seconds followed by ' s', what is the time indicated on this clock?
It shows 6 h 55 min 02 s
